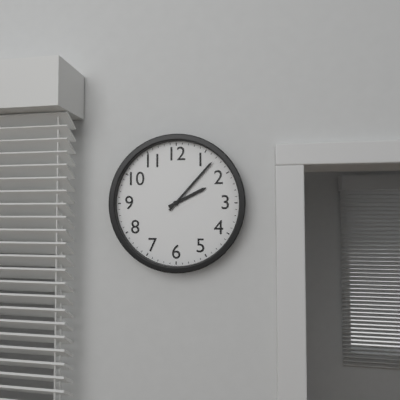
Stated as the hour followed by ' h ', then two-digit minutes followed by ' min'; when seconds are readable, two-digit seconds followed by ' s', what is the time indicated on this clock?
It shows 2 h 07 min
